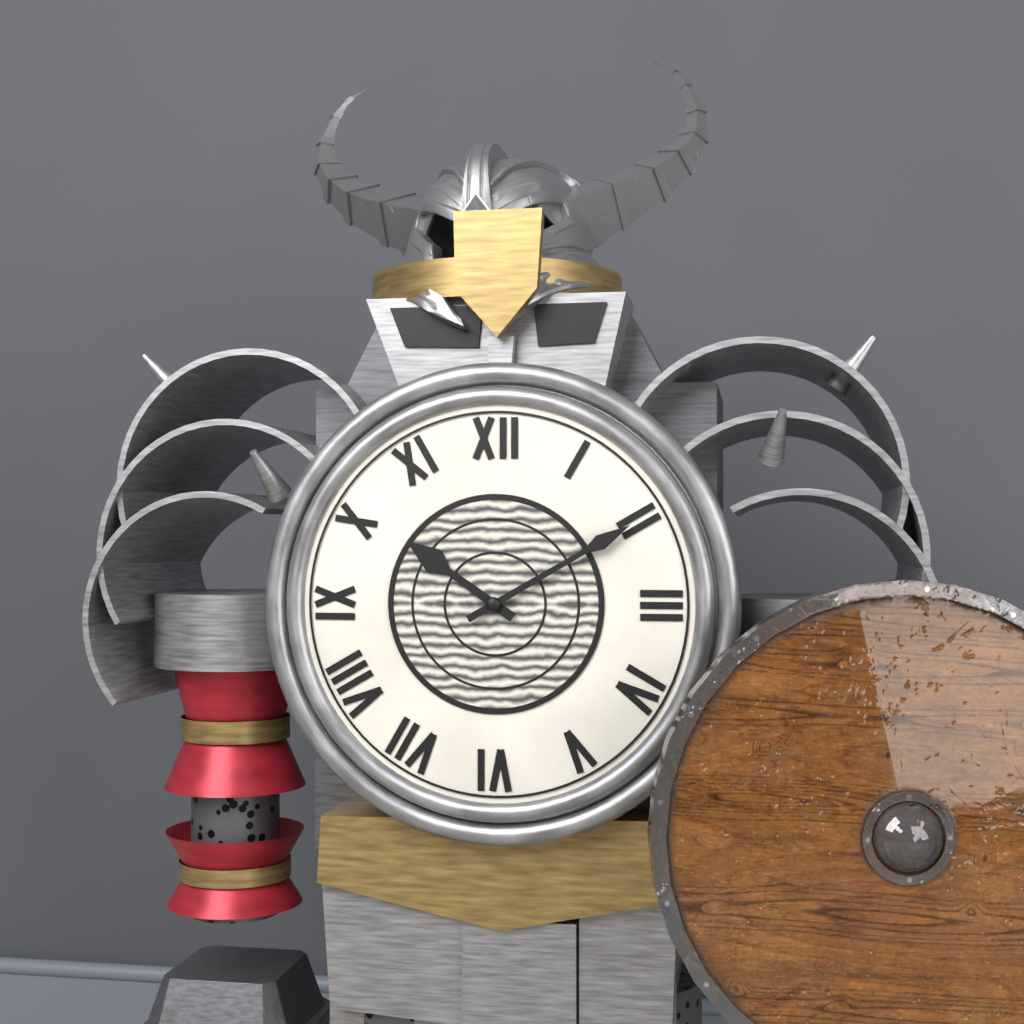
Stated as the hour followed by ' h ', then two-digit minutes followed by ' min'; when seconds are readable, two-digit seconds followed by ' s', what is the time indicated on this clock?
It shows 10 h 10 min
